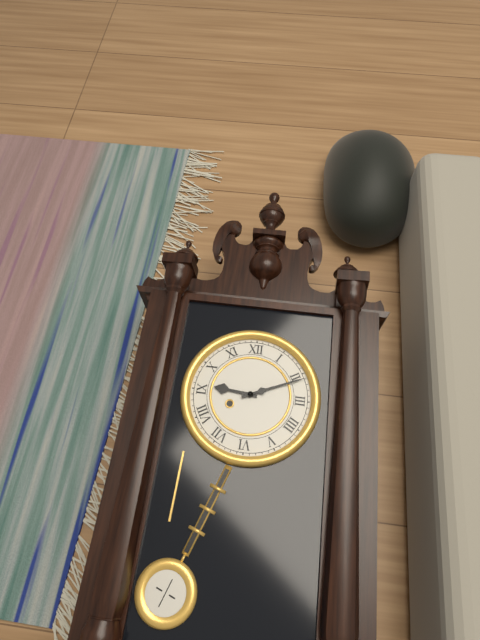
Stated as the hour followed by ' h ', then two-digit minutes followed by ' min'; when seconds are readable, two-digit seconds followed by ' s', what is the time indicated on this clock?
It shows 9 h 11 min
